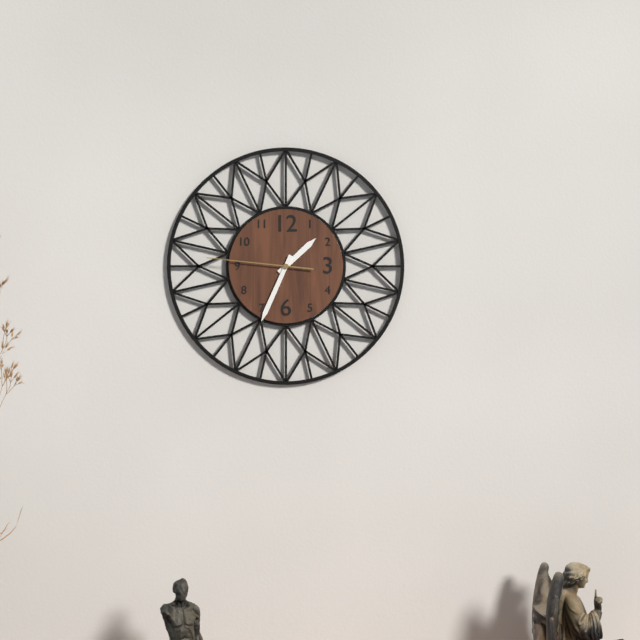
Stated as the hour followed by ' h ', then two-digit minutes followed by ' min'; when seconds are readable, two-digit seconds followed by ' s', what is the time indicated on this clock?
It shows 1 h 34 min 46 s
